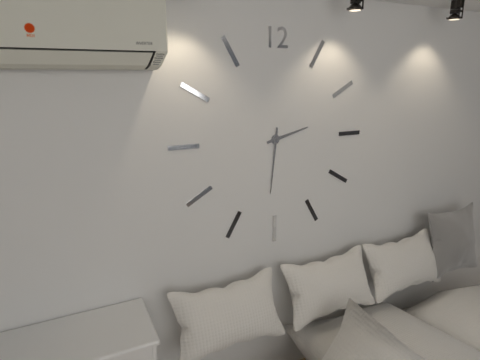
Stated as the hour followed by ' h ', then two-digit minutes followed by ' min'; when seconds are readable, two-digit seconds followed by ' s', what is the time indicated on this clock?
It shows 2 h 31 min
